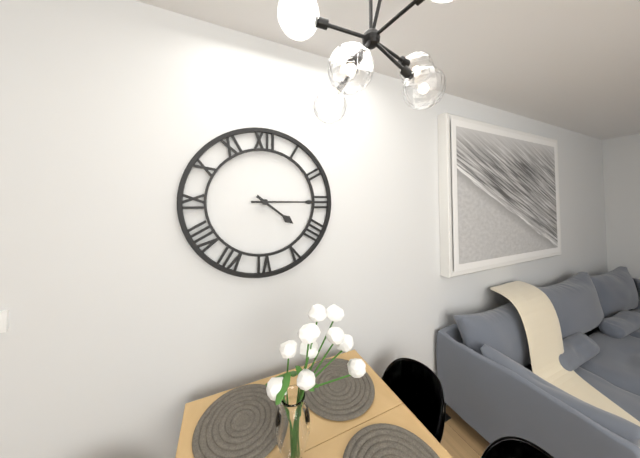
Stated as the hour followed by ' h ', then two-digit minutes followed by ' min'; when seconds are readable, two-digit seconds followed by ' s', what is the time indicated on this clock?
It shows 4 h 15 min
